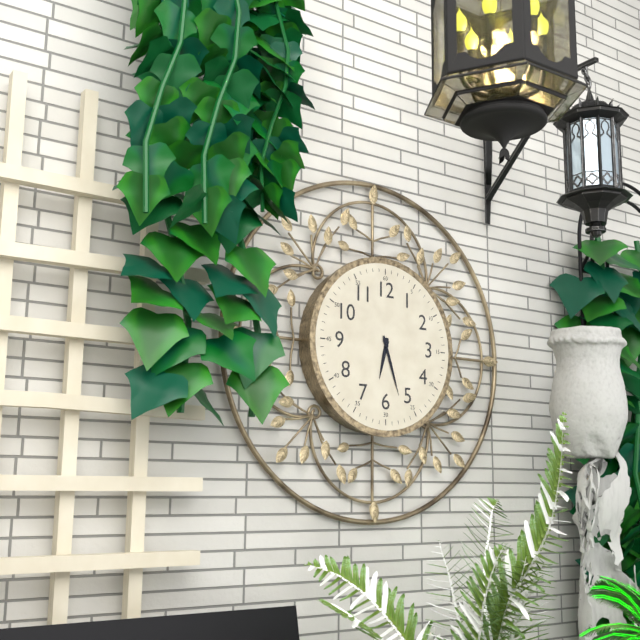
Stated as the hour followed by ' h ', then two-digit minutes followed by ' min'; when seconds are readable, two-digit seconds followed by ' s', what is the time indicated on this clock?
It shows 6 h 27 min
